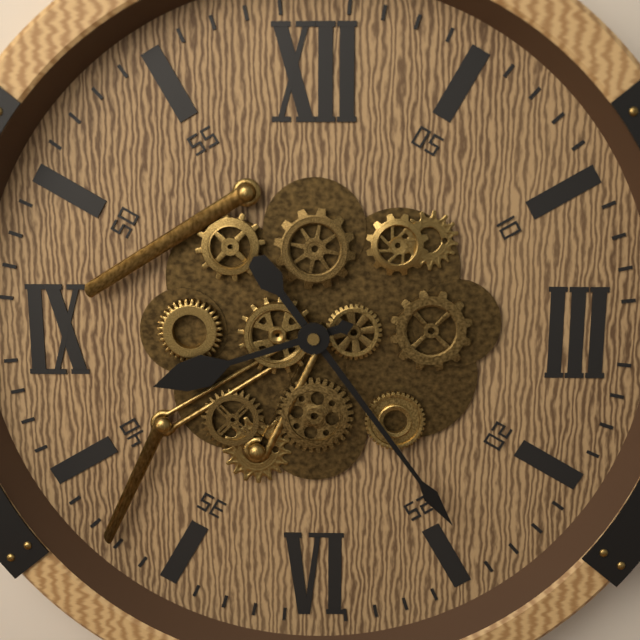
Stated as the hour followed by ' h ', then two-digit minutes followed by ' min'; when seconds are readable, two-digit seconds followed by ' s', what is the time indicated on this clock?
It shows 8 h 24 min
